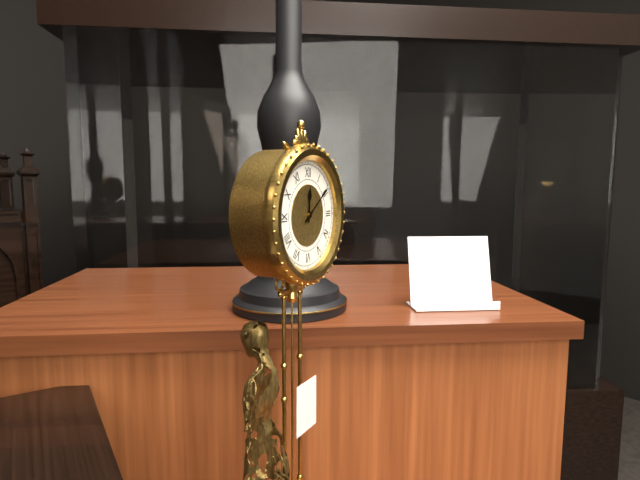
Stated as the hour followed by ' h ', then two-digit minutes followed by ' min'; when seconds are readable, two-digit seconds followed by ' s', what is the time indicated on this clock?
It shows 12 h 09 min
